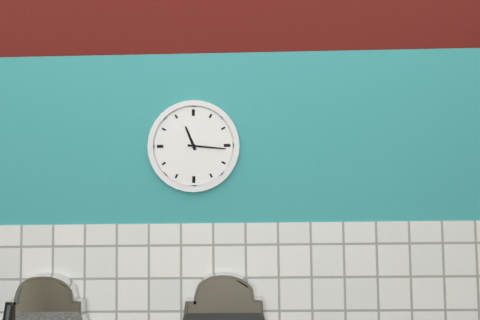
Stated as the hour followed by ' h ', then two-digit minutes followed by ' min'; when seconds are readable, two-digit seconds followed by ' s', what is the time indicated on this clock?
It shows 11 h 16 min
